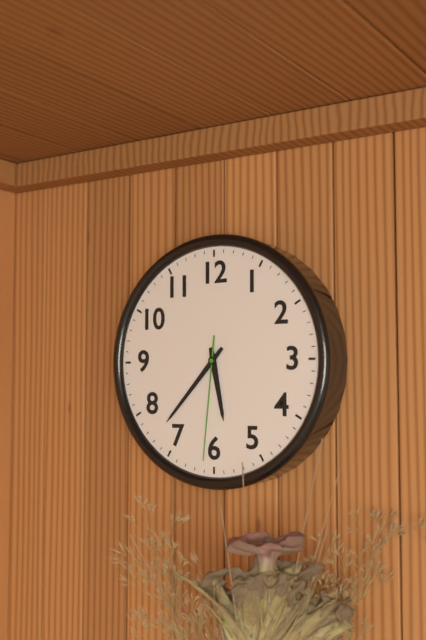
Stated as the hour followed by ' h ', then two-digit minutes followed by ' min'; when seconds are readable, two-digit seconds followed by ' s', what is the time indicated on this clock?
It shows 5 h 37 min 31 s
